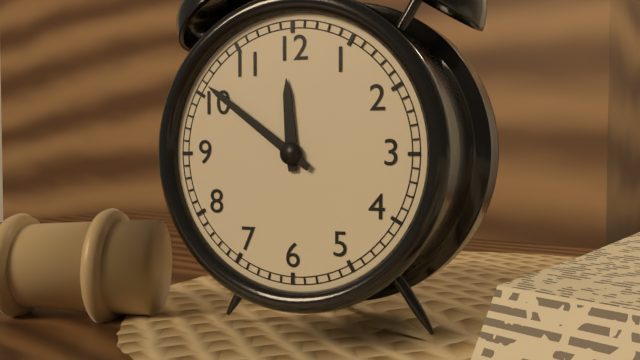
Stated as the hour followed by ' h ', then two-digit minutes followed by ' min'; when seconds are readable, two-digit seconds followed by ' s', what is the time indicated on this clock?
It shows 11 h 51 min
